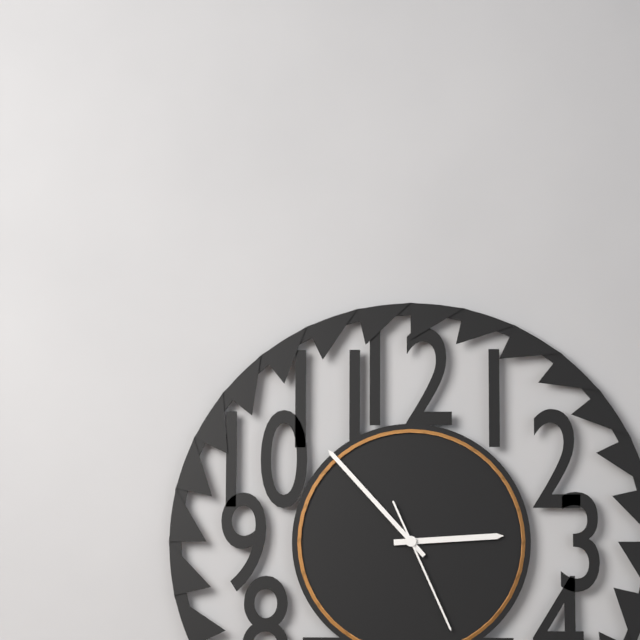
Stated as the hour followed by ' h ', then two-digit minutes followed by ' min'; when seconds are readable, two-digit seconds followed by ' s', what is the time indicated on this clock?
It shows 2 h 53 min 26 s
